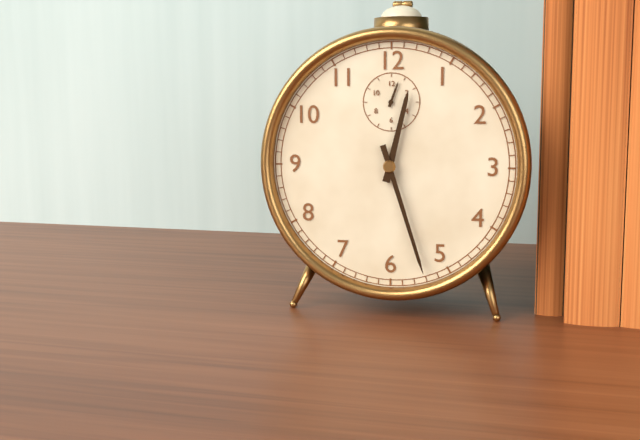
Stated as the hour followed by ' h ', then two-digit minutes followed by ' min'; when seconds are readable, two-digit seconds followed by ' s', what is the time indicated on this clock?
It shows 12 h 27 min
